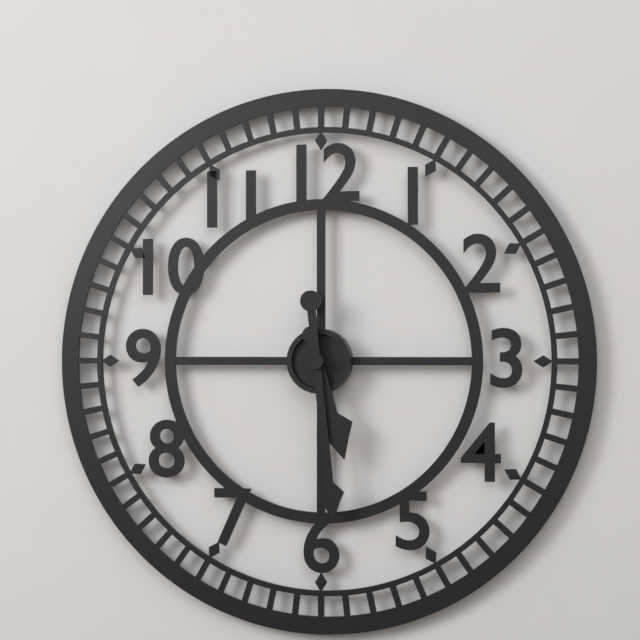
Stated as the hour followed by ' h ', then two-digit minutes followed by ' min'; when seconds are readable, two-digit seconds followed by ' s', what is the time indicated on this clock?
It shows 5 h 29 min
